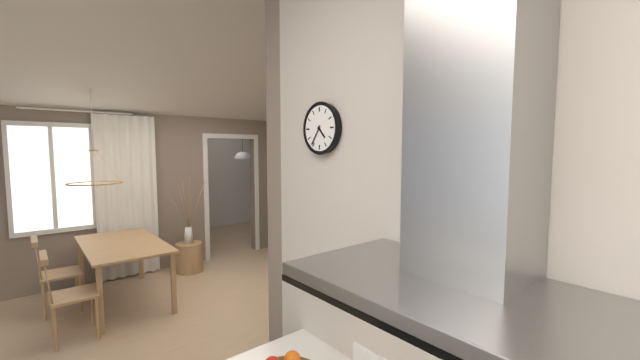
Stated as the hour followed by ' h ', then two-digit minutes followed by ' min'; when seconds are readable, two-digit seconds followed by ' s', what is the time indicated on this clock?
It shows 4 h 36 min
